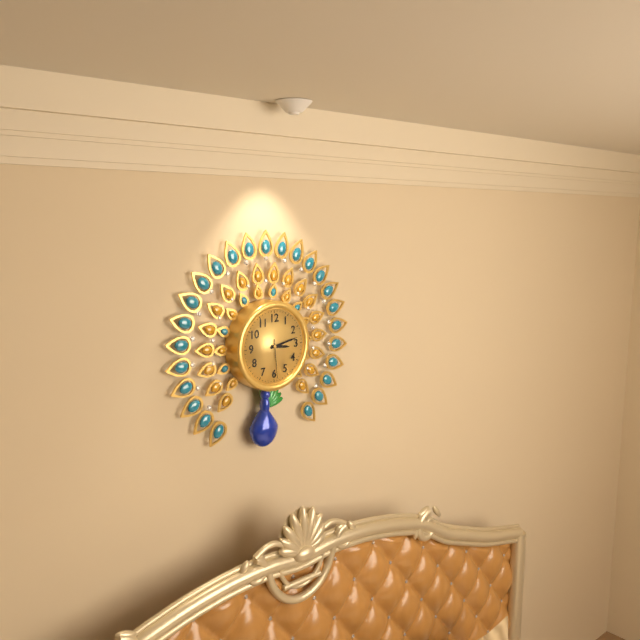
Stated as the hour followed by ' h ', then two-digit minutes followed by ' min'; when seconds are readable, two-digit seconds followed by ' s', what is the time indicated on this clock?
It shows 3 h 13 min
